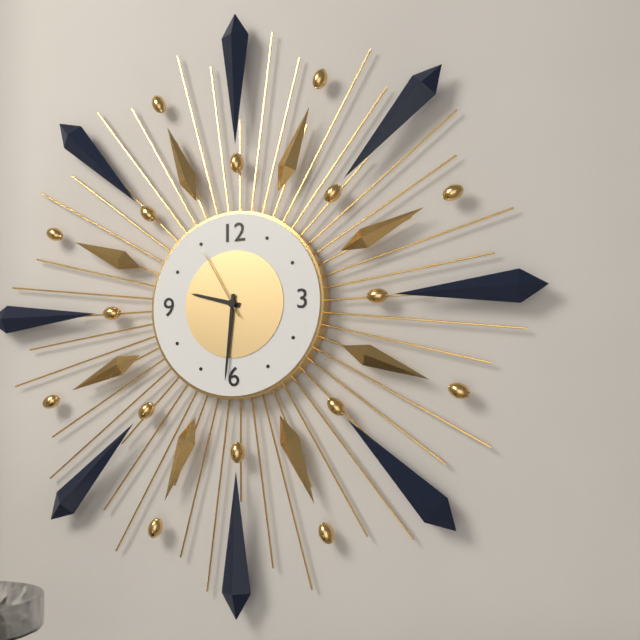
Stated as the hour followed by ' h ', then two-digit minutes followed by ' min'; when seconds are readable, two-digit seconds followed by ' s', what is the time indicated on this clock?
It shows 9 h 31 min 55 s
